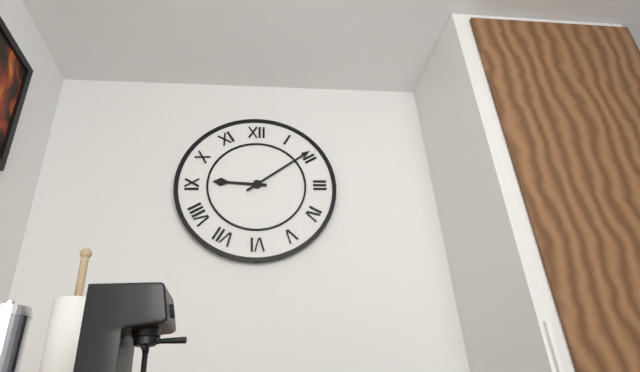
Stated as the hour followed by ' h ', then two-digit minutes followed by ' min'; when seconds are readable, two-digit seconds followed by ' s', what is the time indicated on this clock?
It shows 9 h 09 min
